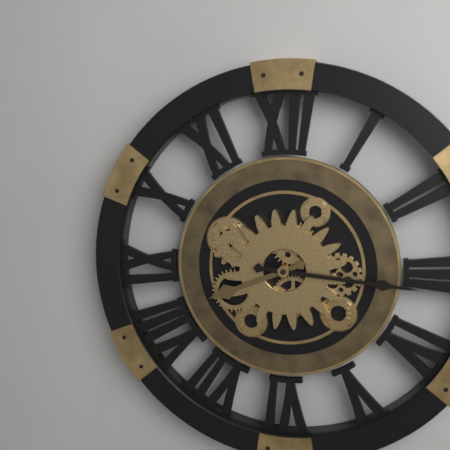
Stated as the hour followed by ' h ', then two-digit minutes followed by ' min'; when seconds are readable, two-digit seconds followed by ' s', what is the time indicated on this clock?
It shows 8 h 16 min
